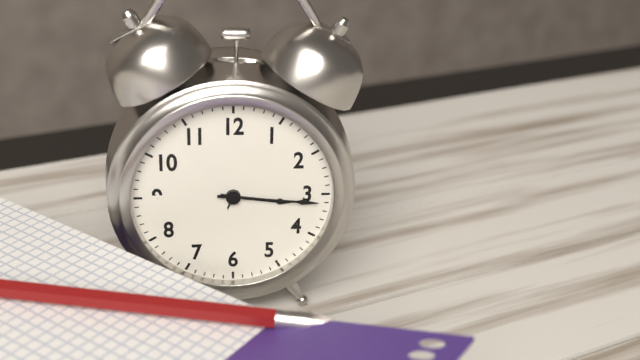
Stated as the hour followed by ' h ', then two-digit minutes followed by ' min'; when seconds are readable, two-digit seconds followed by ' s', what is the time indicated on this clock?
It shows 3 h 16 min
